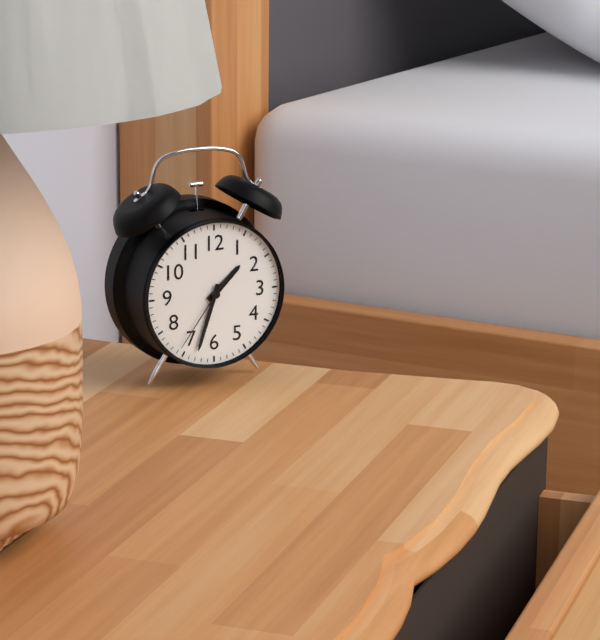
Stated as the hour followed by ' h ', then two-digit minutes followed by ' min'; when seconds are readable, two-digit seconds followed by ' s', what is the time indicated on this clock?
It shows 1 h 33 min 36 s
